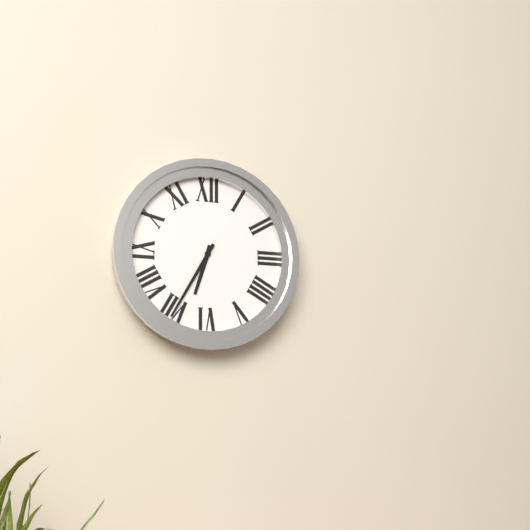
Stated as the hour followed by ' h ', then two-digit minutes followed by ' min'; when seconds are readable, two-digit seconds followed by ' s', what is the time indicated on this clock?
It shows 6 h 35 min
